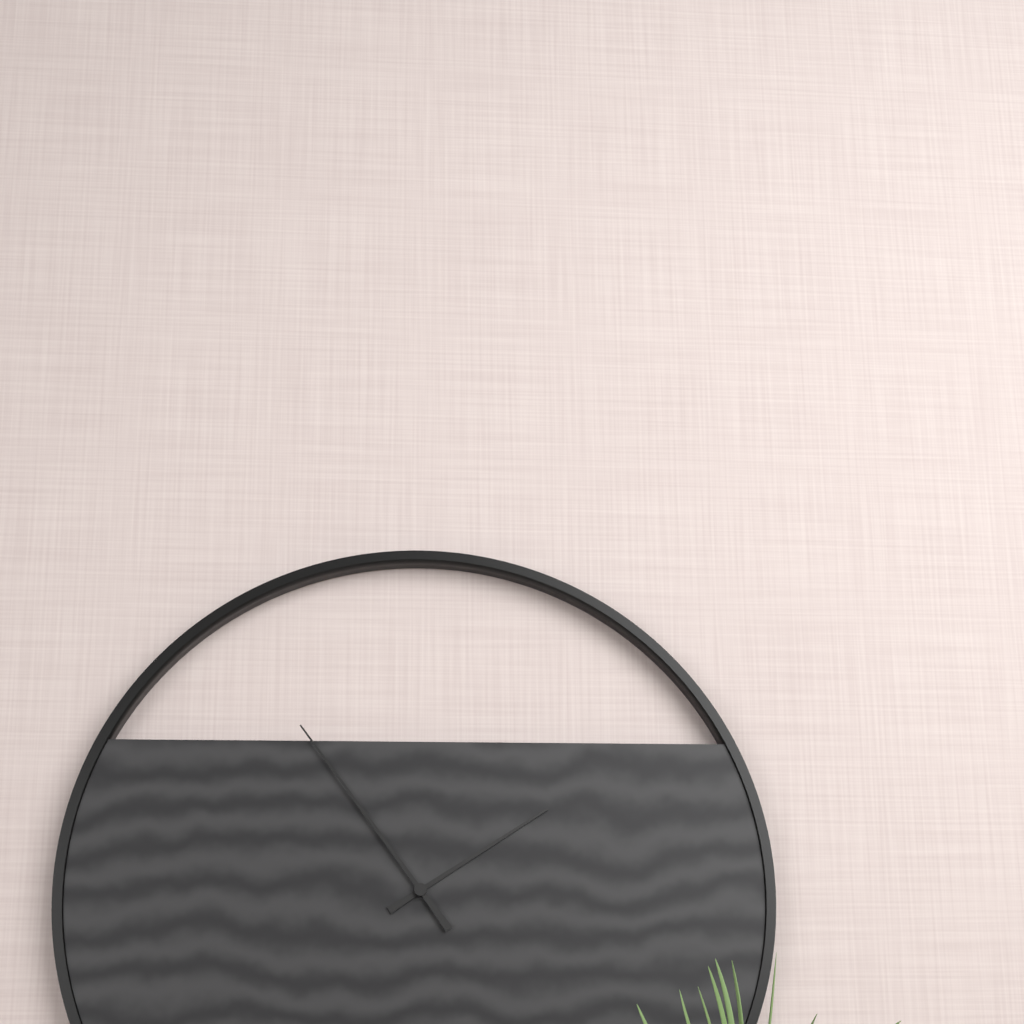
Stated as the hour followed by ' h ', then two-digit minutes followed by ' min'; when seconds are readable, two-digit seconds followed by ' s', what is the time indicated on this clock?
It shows 1 h 54 min
